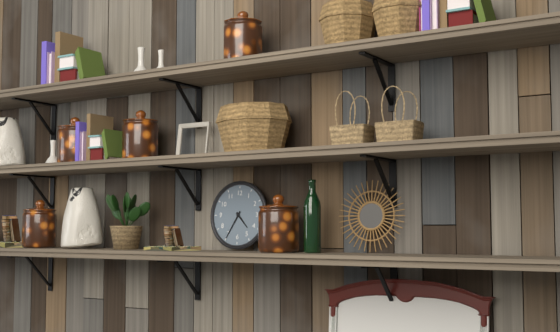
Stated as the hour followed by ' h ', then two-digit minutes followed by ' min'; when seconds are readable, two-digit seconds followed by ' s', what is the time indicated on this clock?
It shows 4 h 35 min
